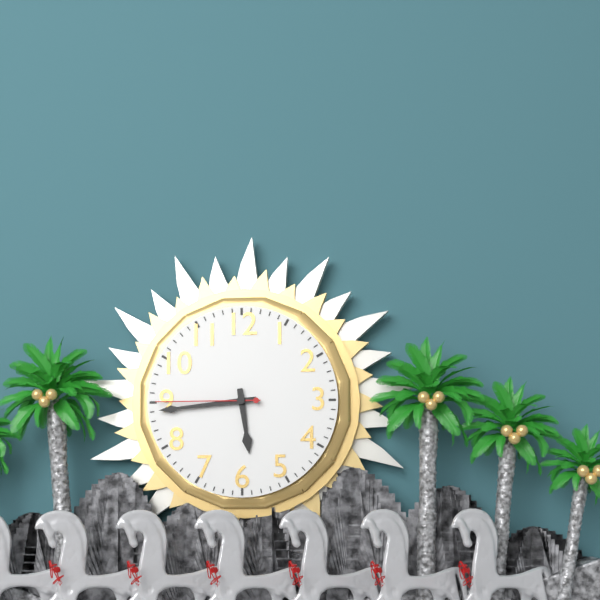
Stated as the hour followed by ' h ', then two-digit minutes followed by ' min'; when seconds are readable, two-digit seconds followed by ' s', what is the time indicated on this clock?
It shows 5 h 44 min 45 s
